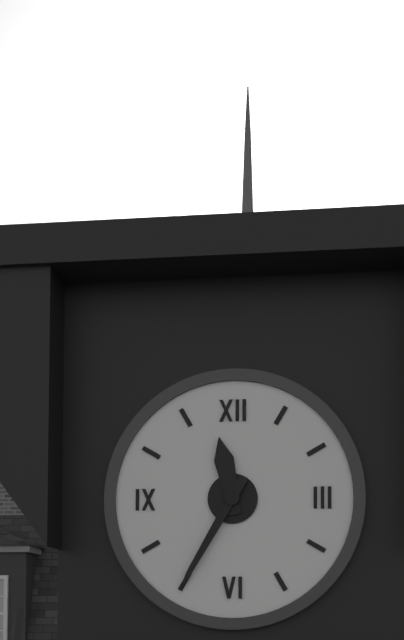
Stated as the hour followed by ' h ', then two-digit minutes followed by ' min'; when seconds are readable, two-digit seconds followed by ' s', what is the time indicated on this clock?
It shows 11 h 35 min
